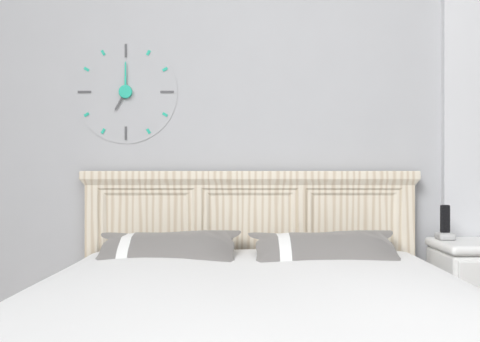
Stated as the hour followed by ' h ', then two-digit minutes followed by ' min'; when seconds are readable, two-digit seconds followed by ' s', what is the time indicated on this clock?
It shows 7 h 00 min
